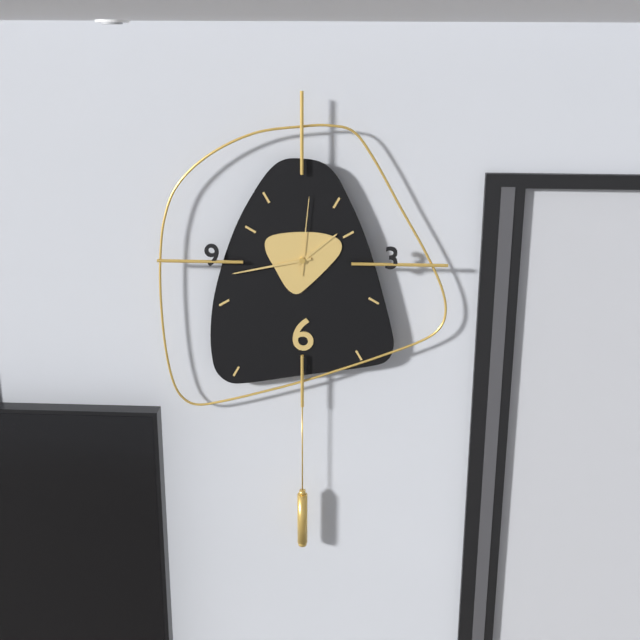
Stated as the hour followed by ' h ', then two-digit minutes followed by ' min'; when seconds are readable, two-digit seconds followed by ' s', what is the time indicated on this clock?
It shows 1 h 43 min 01 s
